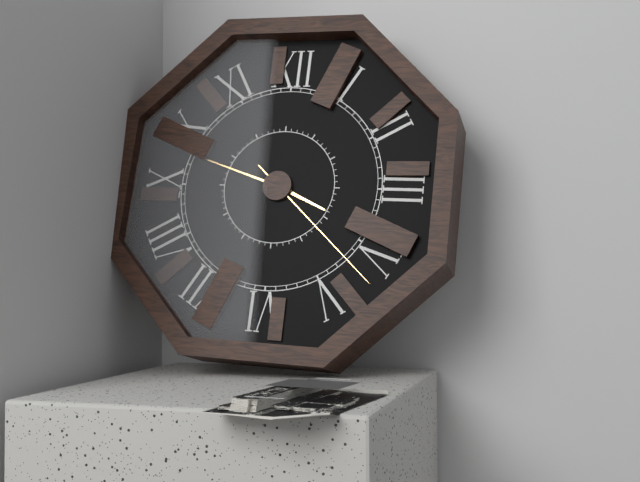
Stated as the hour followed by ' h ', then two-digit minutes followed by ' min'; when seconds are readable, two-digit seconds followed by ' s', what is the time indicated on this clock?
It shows 3 h 48 min 22 s
